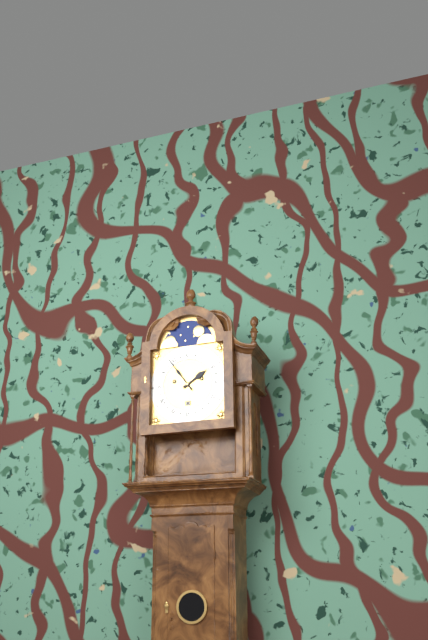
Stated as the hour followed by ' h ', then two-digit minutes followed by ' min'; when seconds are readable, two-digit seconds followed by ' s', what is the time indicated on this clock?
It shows 1 h 54 min
